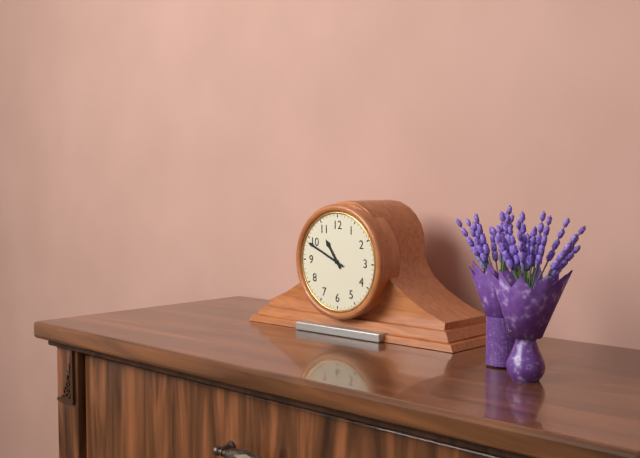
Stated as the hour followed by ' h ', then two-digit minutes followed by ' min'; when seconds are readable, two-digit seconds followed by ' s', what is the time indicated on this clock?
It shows 10 h 49 min
